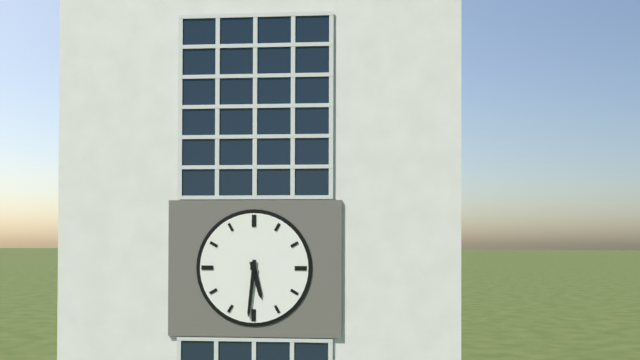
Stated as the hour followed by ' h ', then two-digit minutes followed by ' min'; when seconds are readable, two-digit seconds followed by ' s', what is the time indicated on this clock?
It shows 5 h 31 min
